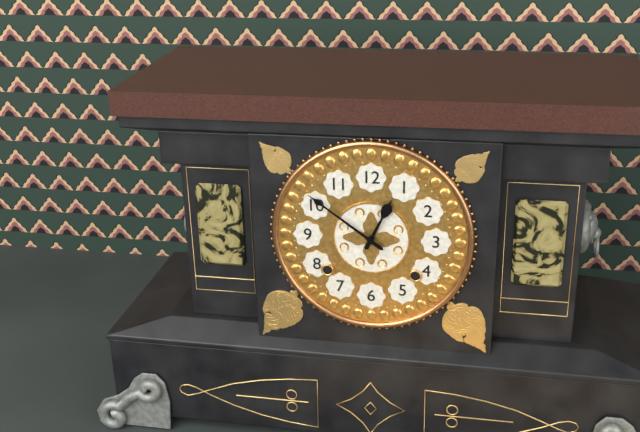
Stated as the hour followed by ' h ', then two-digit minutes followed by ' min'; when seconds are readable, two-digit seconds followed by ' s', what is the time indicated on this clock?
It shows 12 h 51 min
